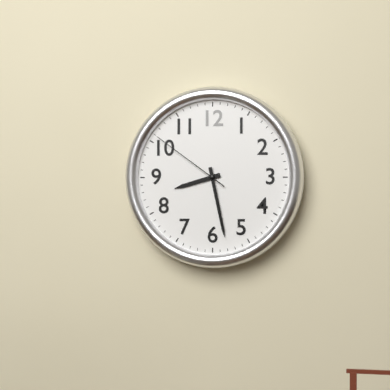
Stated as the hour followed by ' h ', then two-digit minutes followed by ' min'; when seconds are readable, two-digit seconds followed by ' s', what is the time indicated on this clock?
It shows 8 h 28 min 51 s
